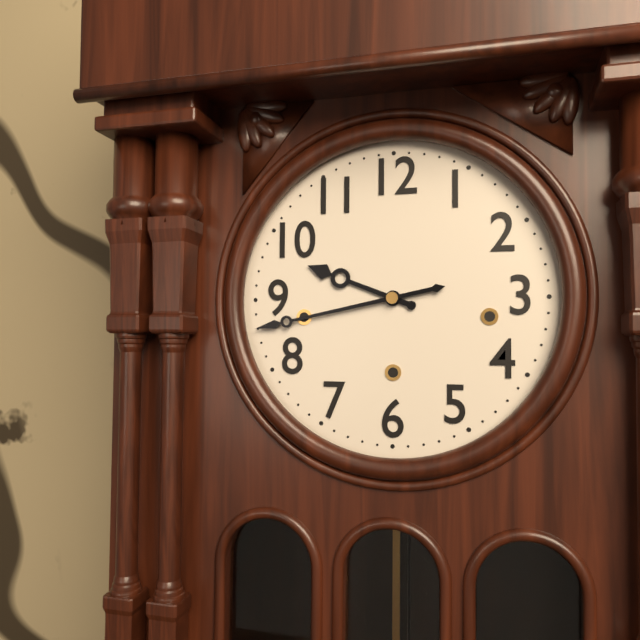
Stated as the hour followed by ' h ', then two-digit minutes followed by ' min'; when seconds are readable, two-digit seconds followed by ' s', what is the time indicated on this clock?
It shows 9 h 43 min
